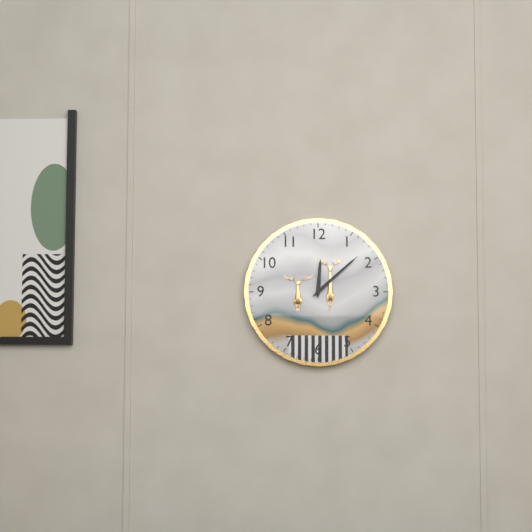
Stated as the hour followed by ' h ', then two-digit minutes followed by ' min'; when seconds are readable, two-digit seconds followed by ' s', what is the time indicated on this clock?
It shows 12 h 08 min
